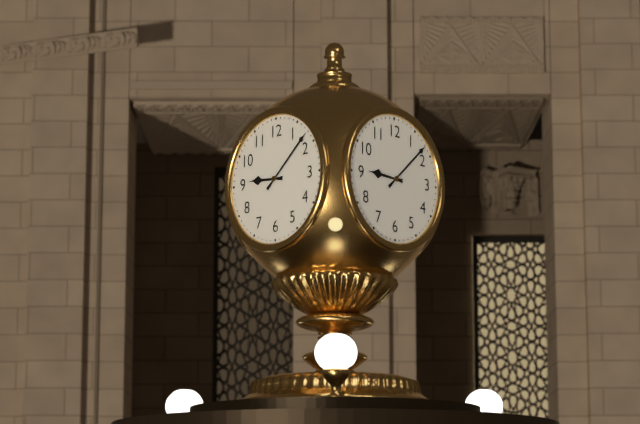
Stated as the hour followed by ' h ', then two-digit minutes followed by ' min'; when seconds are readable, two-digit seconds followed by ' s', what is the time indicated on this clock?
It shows 9 h 08 min
